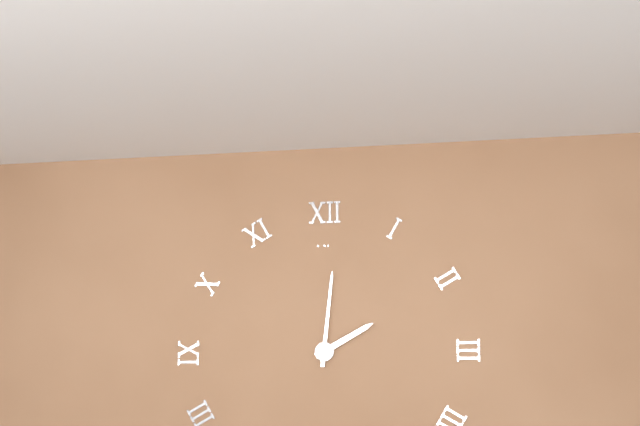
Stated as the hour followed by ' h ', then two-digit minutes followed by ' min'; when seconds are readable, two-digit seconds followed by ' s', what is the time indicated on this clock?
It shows 2 h 01 min
